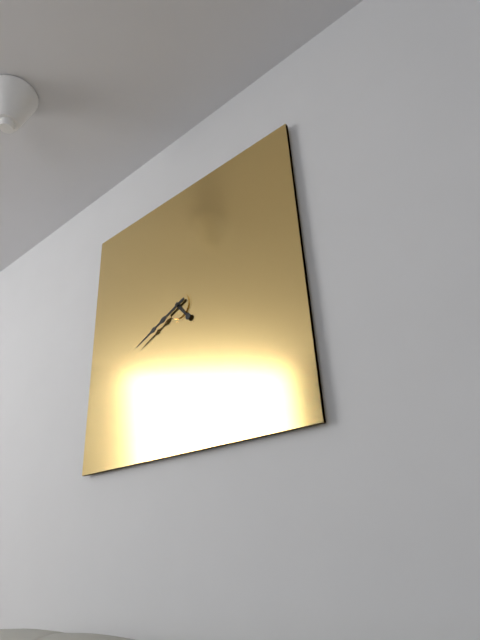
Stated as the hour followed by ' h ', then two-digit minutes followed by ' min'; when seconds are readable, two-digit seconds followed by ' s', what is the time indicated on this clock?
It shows 4 h 41 min
